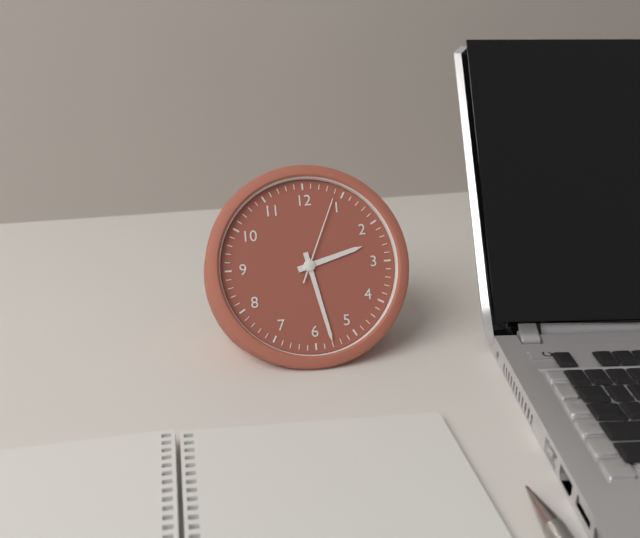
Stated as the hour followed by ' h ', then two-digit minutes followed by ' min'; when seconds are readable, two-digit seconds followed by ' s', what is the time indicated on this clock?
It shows 2 h 28 min 04 s
